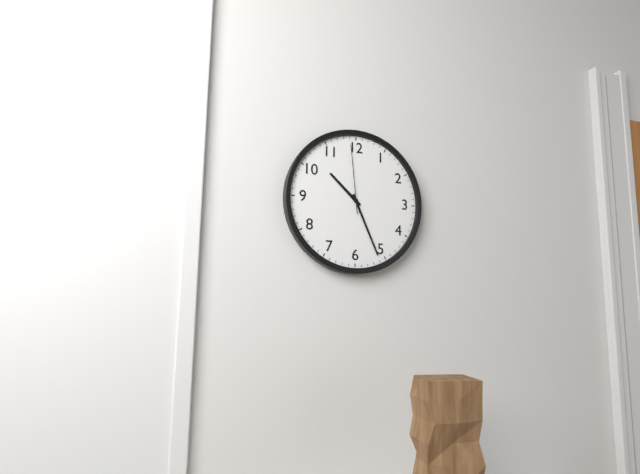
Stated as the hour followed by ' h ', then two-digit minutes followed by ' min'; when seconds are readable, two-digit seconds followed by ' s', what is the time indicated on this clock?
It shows 10 h 26 min 59 s
